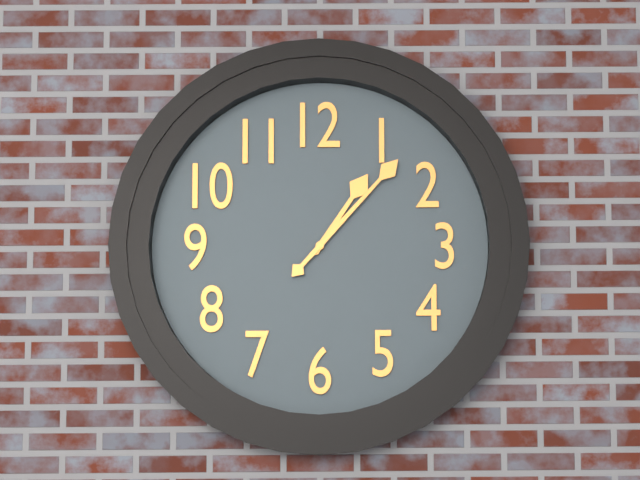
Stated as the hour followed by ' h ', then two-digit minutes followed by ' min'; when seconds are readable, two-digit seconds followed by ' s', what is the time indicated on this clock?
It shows 1 h 07 min
